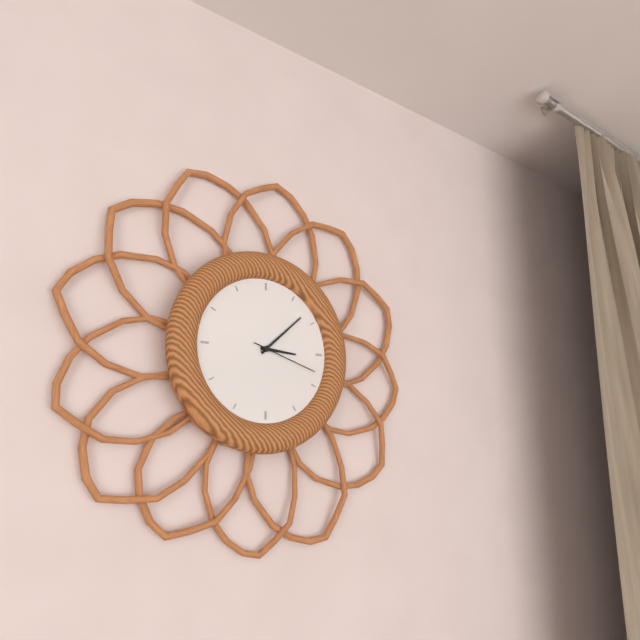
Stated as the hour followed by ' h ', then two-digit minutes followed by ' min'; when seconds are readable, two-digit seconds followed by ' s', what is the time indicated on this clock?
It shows 3 h 08 min 18 s
